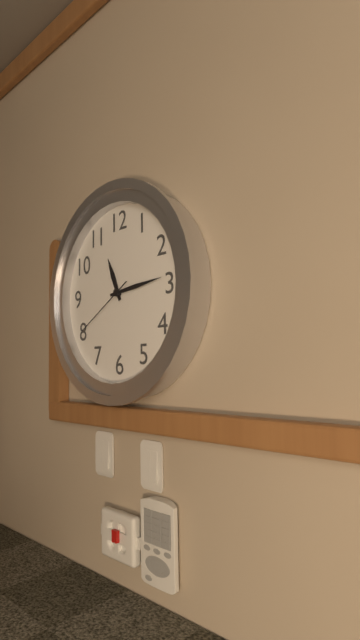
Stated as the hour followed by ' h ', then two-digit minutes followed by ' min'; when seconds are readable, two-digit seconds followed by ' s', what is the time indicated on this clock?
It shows 11 h 14 min 40 s
